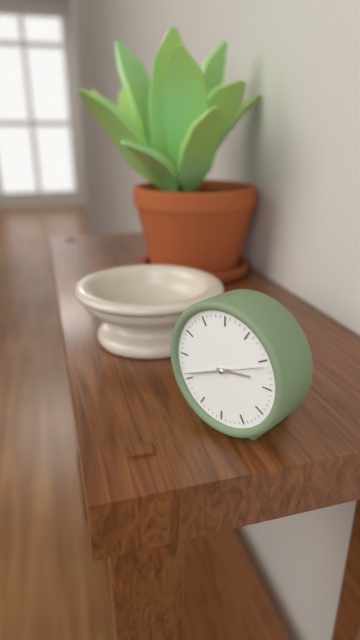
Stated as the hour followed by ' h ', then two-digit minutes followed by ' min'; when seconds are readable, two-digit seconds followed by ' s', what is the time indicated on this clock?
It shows 2 h 41 min 11 s
